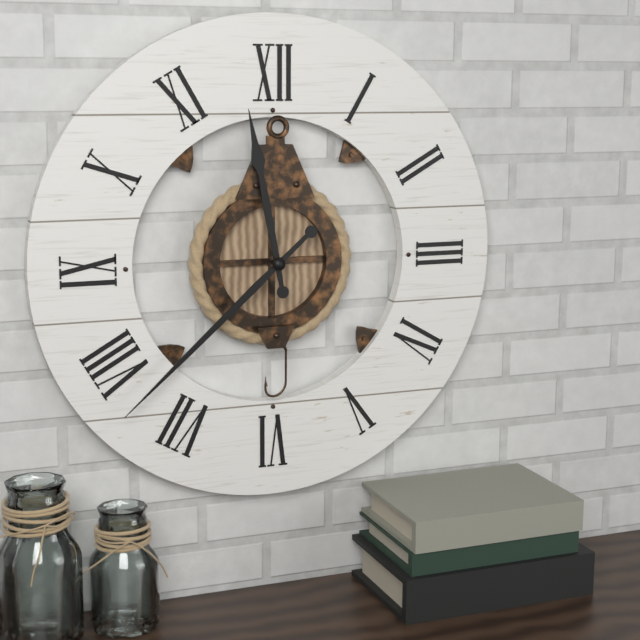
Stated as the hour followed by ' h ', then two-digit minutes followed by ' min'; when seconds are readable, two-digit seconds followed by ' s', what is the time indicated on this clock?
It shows 11 h 38 min
